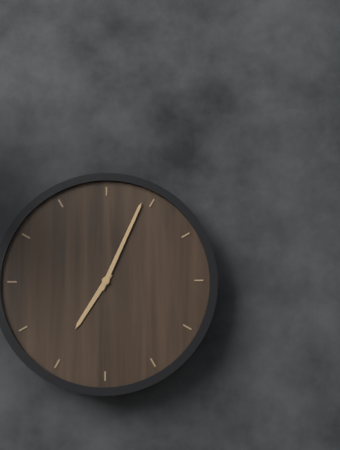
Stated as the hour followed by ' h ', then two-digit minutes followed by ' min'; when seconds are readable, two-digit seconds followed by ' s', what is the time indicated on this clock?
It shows 7 h 04 min
